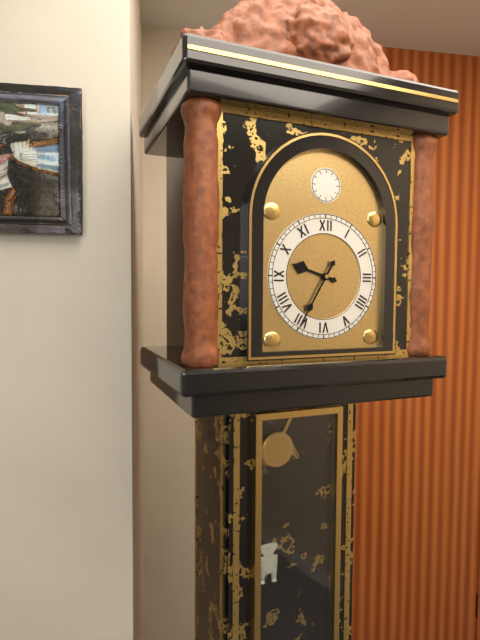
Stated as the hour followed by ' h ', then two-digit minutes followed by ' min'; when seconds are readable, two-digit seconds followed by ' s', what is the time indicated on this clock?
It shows 9 h 35 min
